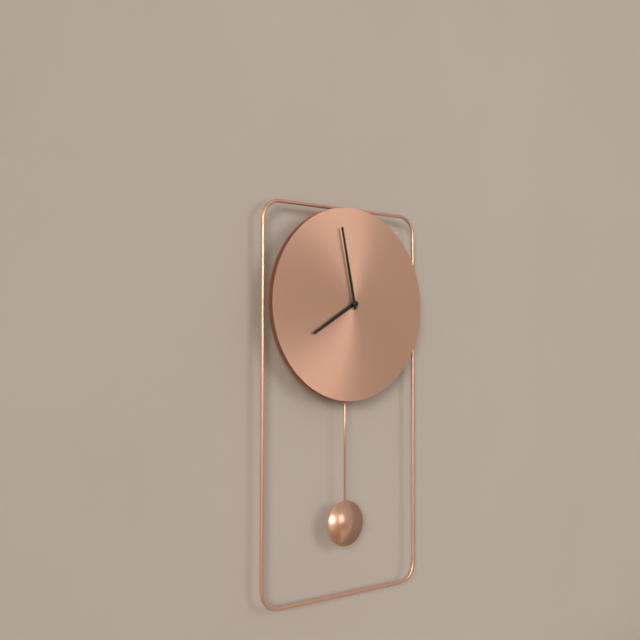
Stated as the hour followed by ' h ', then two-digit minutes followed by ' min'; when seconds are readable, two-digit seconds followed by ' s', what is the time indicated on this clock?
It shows 7 h 58 min
